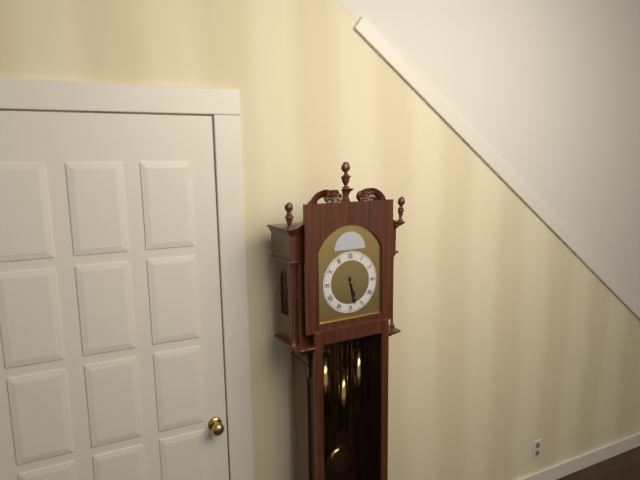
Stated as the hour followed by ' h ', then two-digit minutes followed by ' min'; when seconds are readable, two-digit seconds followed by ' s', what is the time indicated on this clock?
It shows 5 h 28 min
